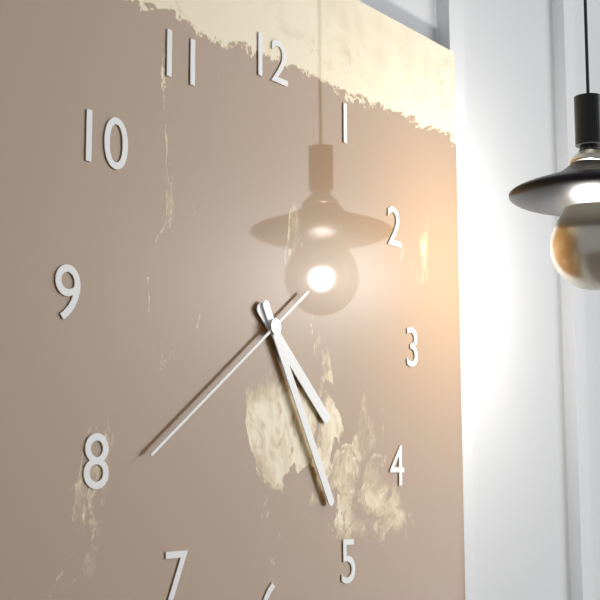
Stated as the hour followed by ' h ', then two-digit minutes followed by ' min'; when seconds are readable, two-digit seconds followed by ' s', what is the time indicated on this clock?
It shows 4 h 25 min 39 s
